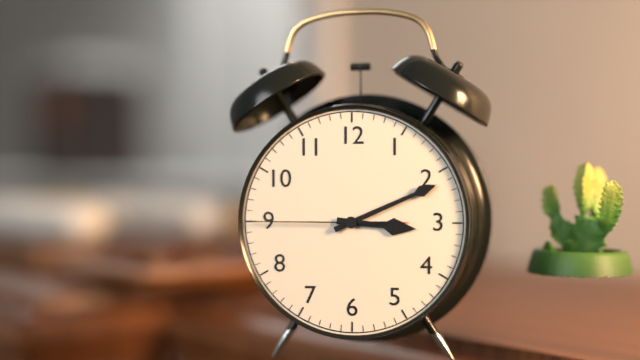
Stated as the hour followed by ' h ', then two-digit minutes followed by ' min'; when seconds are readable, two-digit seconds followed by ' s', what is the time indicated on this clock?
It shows 3 h 11 min 45 s
